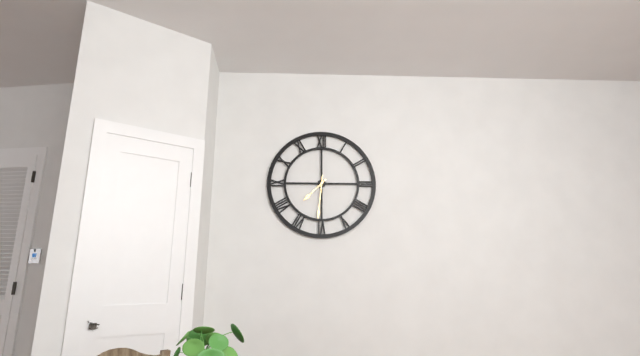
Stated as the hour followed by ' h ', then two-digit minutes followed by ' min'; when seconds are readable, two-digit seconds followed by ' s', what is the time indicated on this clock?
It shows 7 h 31 min
